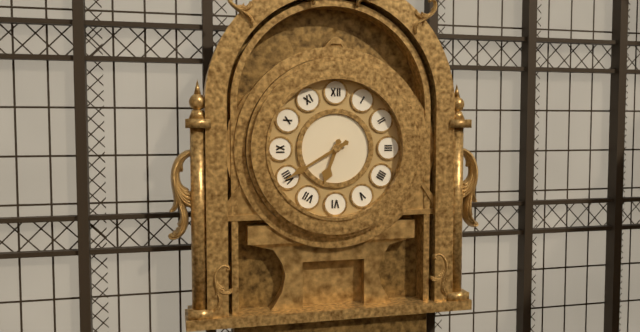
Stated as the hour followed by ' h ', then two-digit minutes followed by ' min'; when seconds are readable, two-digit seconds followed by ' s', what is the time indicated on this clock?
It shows 6 h 40 min
